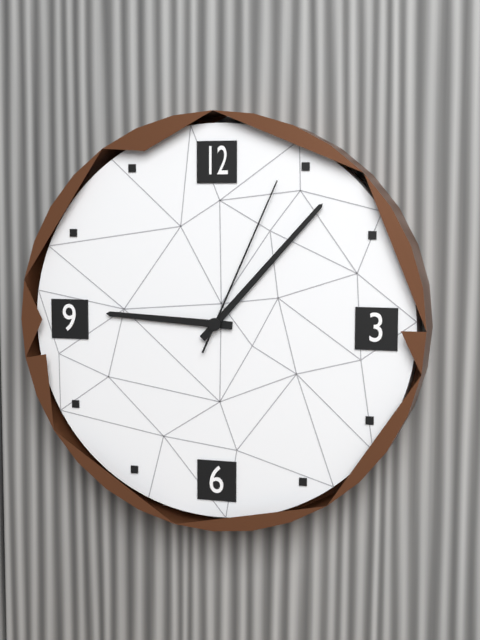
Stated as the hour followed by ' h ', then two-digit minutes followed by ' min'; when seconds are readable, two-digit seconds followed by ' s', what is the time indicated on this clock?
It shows 9 h 07 min 04 s
